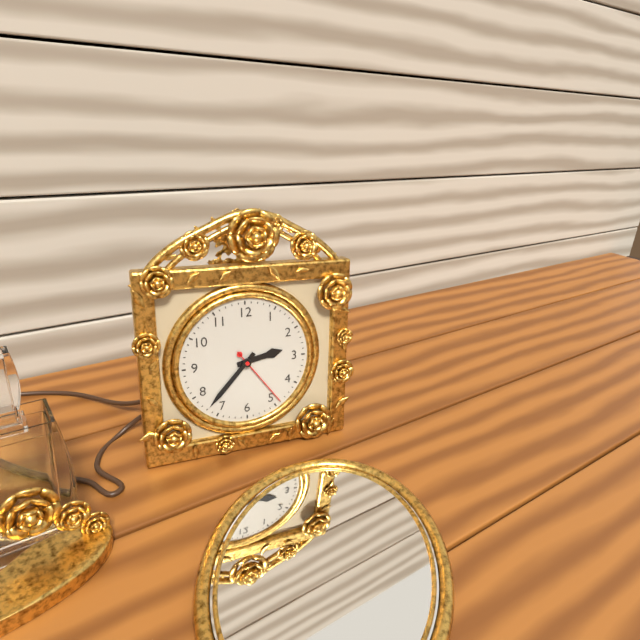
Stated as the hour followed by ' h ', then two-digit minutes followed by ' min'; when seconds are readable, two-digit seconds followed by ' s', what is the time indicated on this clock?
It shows 2 h 37 min 24 s
